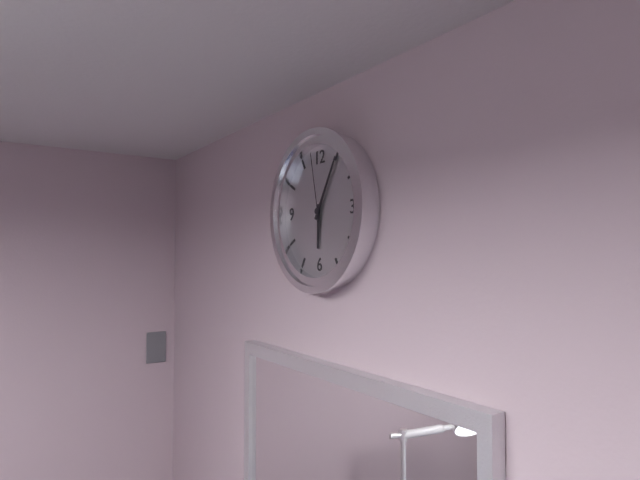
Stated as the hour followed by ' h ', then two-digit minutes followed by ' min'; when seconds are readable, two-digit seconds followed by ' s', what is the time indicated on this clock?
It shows 6 h 05 min 58 s
